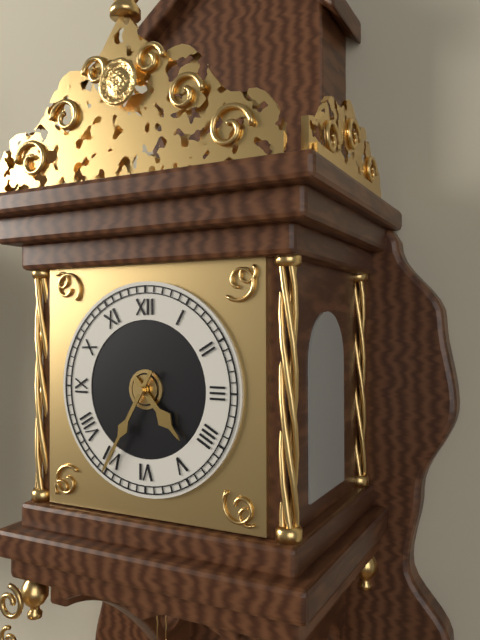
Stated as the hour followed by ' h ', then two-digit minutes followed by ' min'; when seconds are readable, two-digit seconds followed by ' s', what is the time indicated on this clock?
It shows 4 h 35 min
